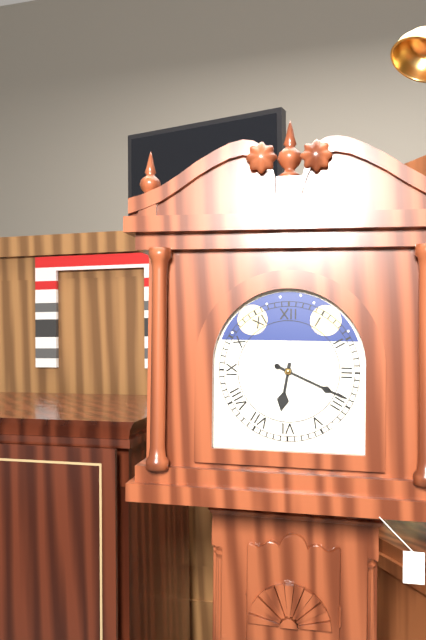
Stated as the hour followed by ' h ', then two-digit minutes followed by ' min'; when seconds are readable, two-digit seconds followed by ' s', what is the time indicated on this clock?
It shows 6 h 19 min
